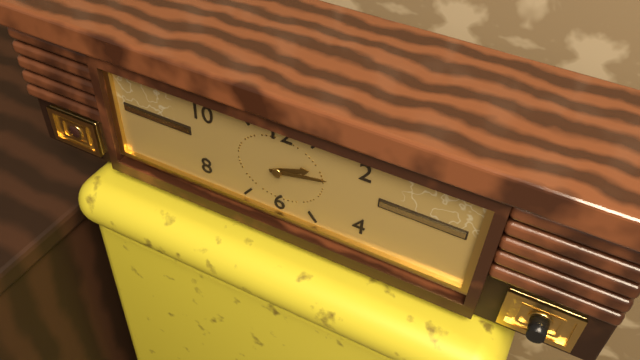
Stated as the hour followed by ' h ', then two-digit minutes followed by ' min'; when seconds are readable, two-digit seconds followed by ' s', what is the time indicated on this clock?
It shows 2 h 13 min
